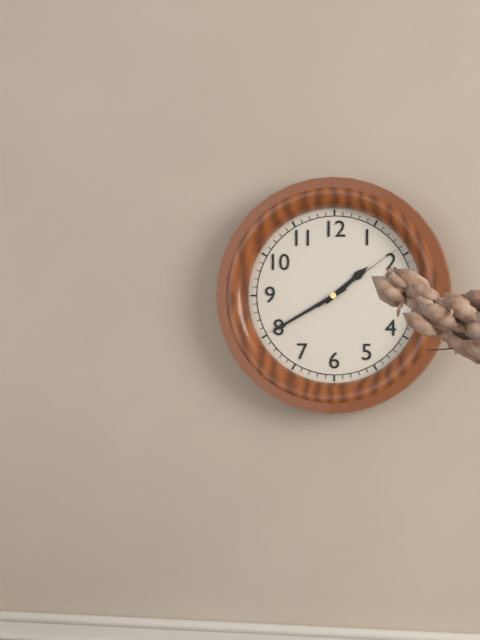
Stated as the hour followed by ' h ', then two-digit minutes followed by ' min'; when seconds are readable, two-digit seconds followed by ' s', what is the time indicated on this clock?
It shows 1 h 40 min 09 s
